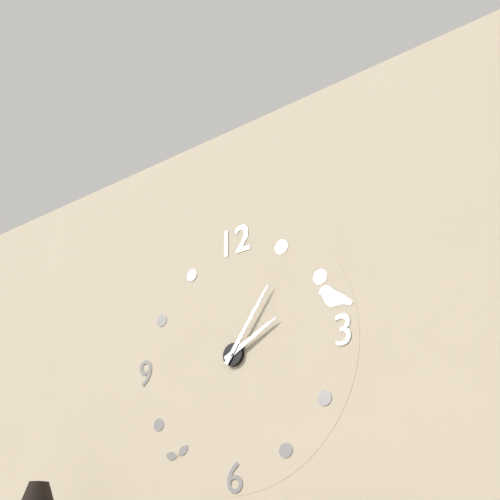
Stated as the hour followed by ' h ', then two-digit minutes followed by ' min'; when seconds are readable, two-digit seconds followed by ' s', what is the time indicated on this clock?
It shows 2 h 06 min
